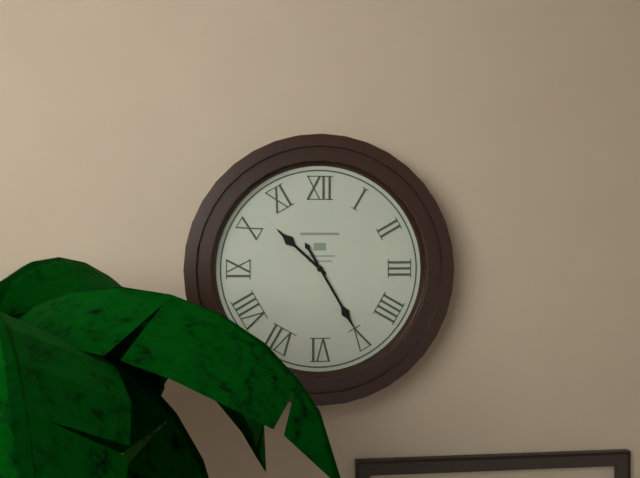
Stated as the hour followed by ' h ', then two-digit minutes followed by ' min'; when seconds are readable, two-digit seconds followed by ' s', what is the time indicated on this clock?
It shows 10 h 25 min
